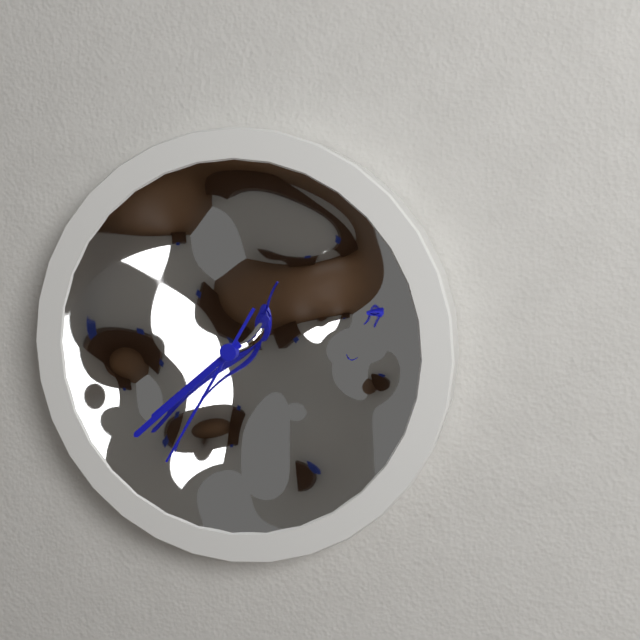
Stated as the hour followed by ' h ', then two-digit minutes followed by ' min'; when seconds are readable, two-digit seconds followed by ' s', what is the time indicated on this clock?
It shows 7 h 38 min 35 s
